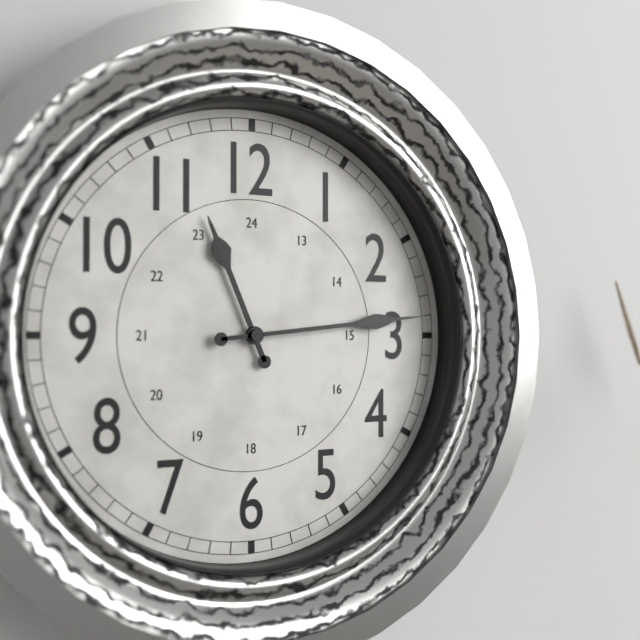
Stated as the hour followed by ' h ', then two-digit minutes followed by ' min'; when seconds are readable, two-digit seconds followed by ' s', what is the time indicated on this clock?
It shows 11 h 14 min
